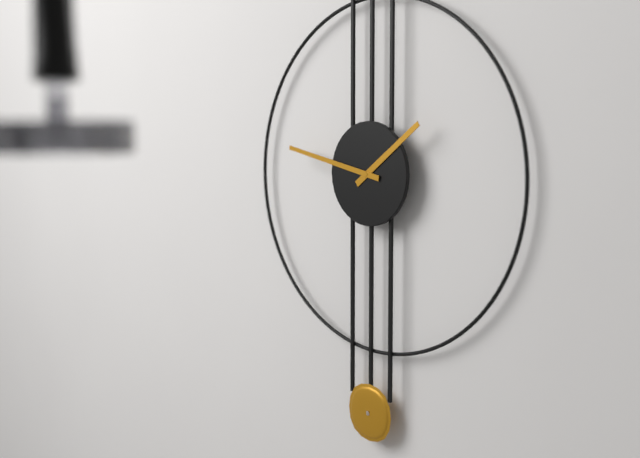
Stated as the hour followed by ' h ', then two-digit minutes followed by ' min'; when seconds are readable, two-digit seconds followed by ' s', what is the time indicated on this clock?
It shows 1 h 47 min
